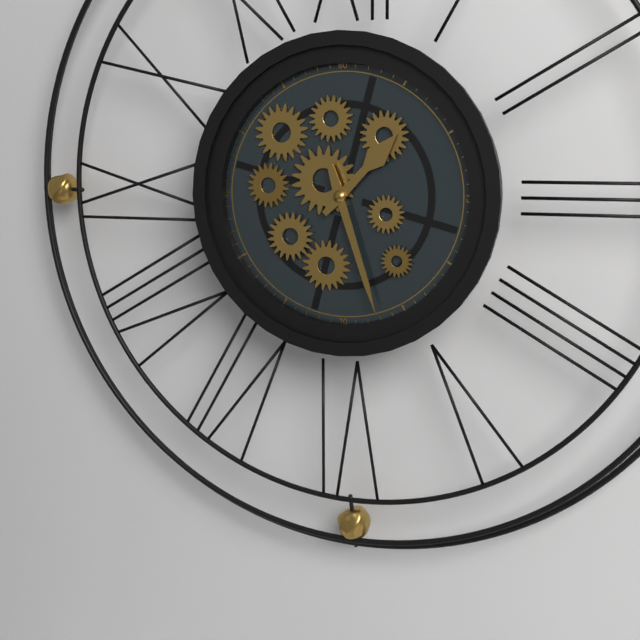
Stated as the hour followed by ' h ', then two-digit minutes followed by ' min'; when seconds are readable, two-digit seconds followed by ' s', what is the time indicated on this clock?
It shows 1 h 27 min
